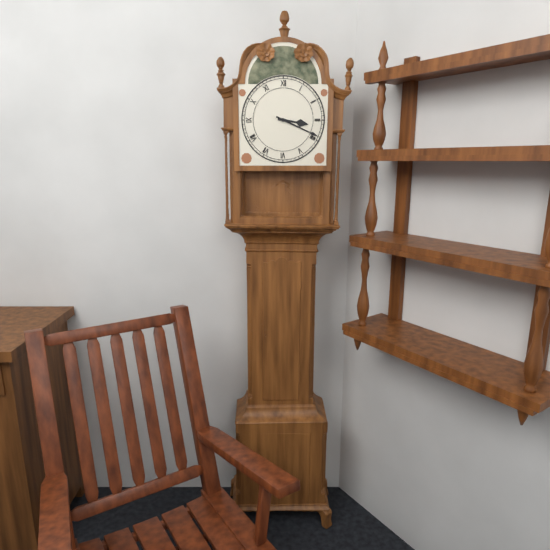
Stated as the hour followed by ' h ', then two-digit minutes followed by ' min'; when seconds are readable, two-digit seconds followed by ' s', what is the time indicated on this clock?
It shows 3 h 19 min
